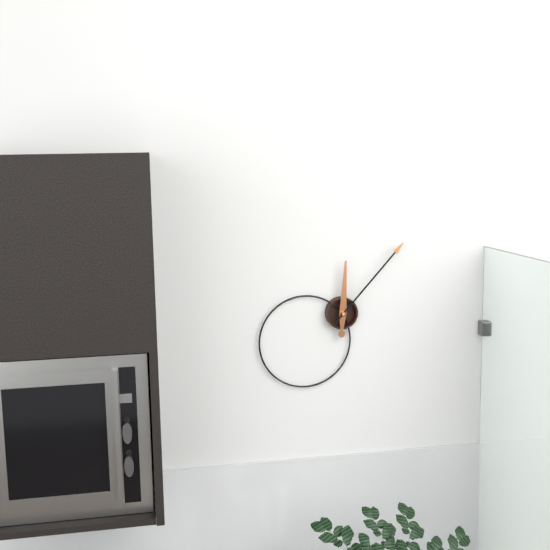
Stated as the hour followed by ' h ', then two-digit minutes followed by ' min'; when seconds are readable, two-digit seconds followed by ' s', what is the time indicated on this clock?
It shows 12 h 07 min
